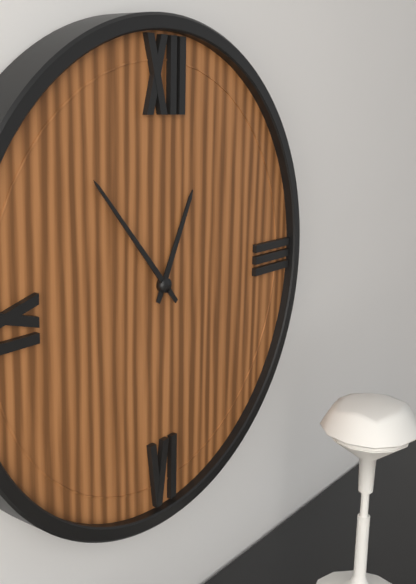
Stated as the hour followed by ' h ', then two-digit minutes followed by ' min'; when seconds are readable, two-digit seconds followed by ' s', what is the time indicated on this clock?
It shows 12 h 53 min
